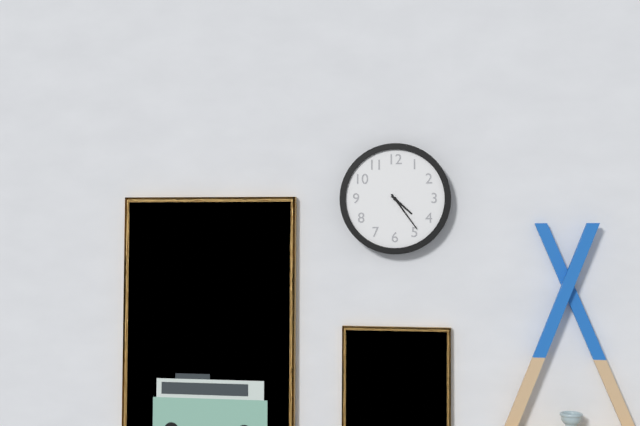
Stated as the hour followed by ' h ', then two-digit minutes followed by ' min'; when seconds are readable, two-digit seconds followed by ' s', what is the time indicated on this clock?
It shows 4 h 24 min
